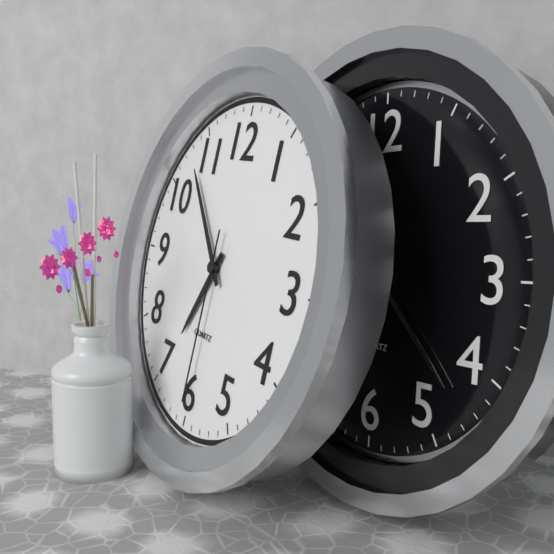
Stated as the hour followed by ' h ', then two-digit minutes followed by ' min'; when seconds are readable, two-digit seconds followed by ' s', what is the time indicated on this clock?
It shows 6 h 53 min 30 s
